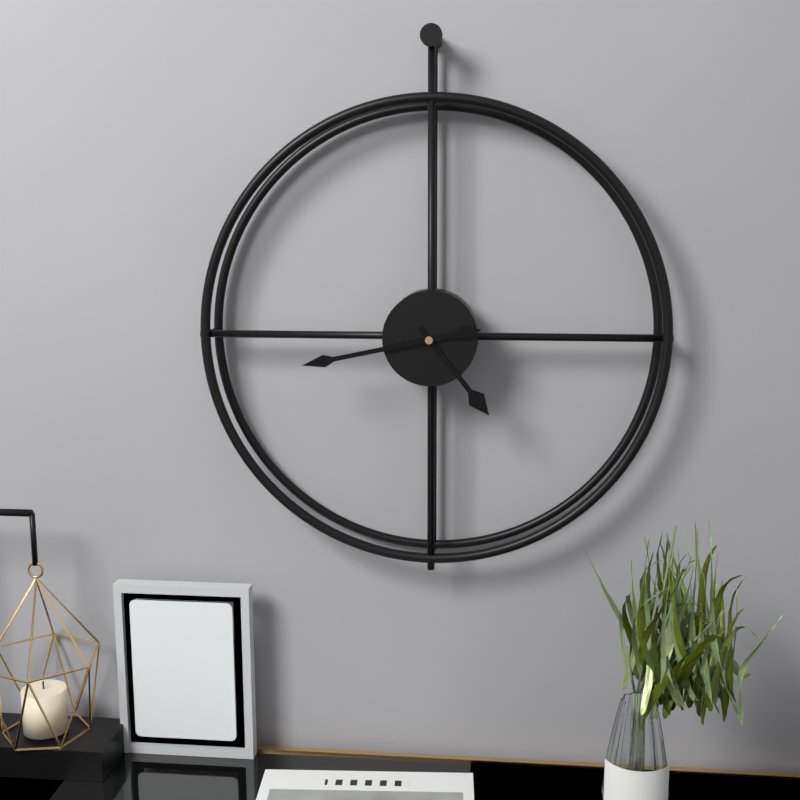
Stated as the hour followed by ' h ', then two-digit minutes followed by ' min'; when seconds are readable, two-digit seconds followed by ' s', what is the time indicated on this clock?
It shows 4 h 43 min
